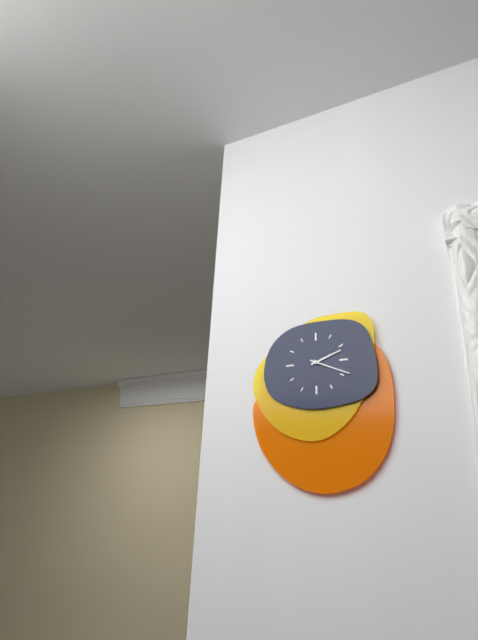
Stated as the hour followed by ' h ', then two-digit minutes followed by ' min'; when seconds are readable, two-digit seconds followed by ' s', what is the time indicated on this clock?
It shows 2 h 19 min
